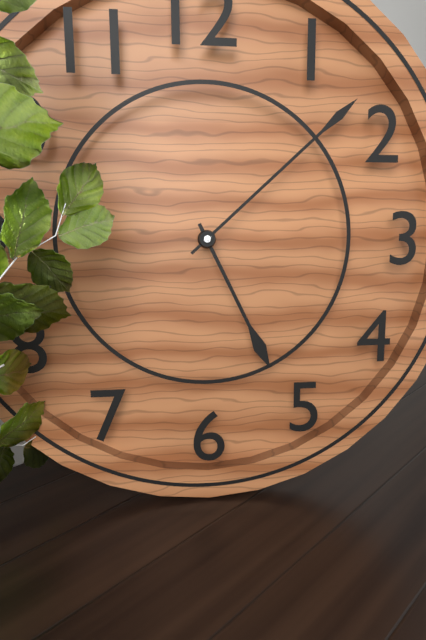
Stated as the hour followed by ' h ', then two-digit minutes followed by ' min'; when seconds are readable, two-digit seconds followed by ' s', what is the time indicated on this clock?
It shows 5 h 08 min
